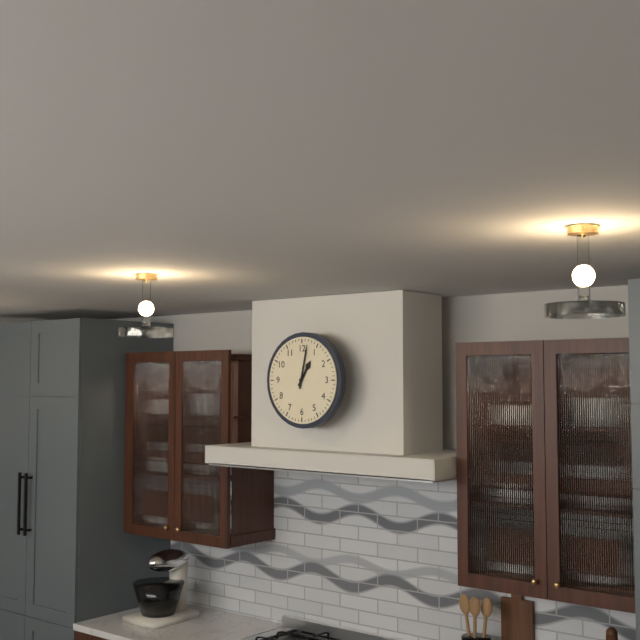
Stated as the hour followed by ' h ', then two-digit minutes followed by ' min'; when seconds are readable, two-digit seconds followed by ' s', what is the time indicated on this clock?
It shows 1 h 02 min
